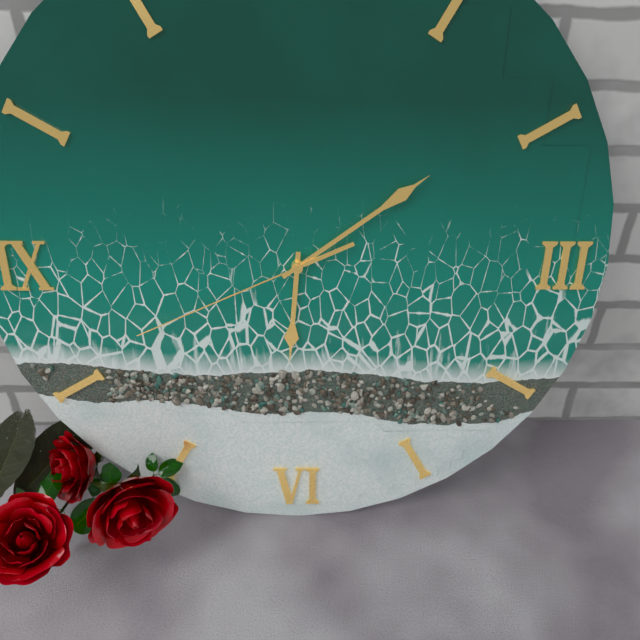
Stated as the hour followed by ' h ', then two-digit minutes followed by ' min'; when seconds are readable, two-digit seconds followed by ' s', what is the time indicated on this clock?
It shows 6 h 09 min 41 s
